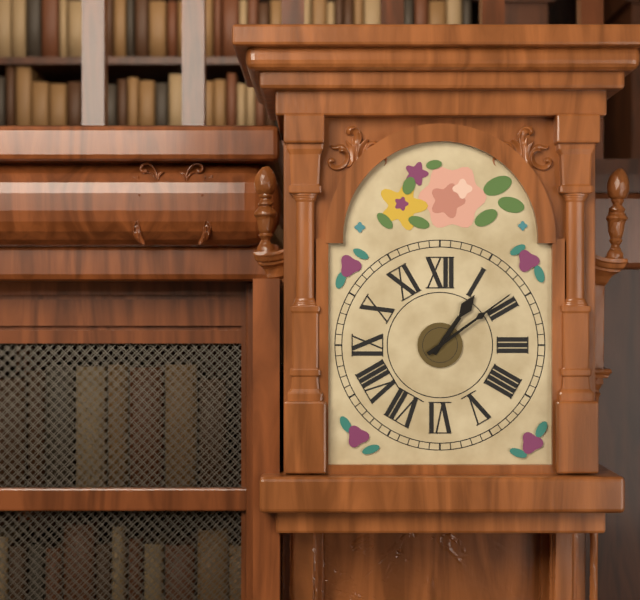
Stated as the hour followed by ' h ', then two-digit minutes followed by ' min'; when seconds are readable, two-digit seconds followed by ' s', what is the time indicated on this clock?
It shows 1 h 09 min
